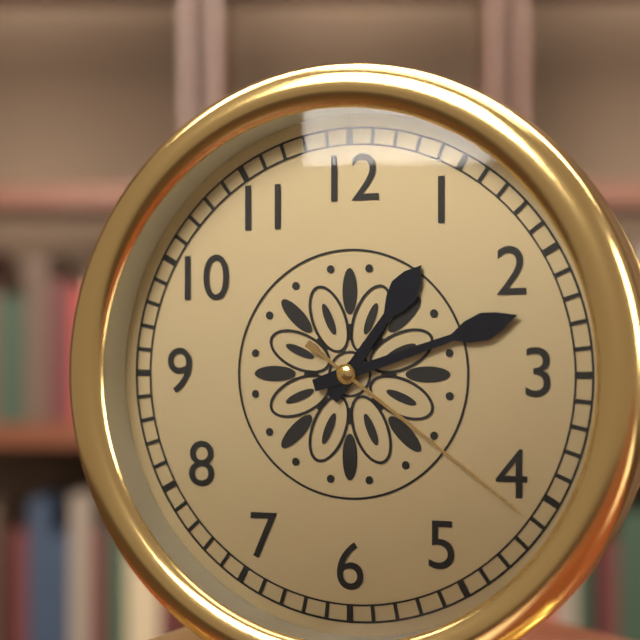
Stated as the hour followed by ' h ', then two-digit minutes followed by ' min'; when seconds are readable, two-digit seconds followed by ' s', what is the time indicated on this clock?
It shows 1 h 12 min 21 s
